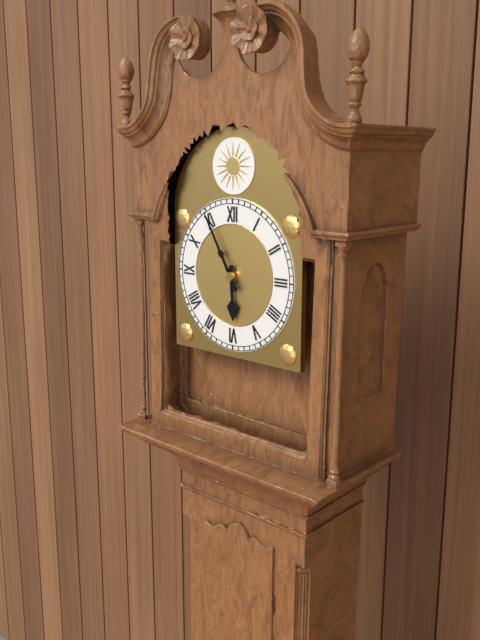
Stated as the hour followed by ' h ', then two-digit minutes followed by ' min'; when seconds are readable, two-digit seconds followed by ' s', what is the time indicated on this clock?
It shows 5 h 55 min
